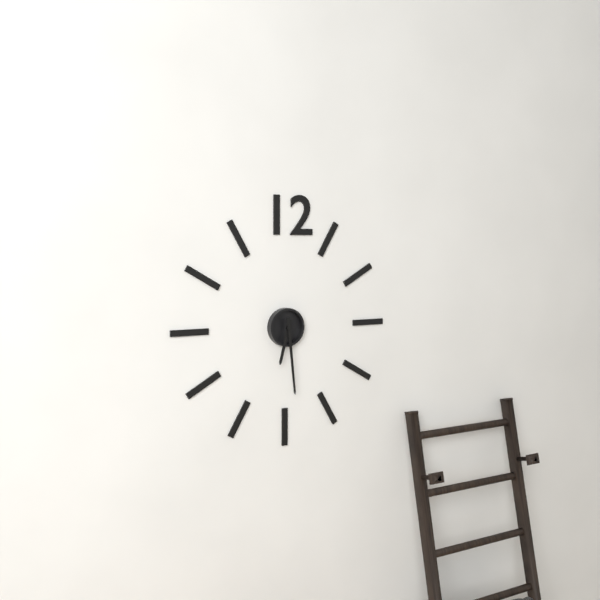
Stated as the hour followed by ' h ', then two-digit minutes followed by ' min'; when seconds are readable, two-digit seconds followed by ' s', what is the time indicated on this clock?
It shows 6 h 29 min
